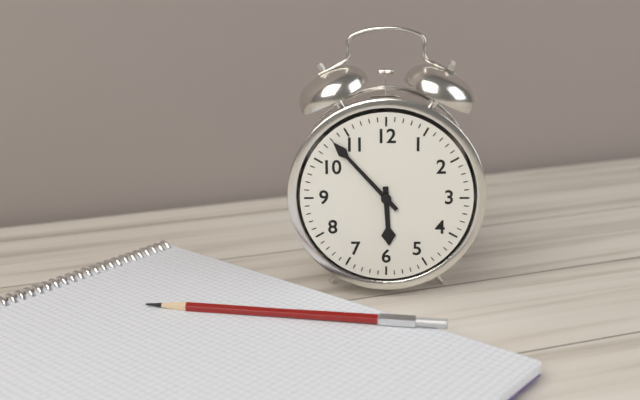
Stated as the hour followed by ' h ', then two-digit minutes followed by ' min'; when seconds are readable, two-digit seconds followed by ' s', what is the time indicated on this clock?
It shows 5 h 53 min
